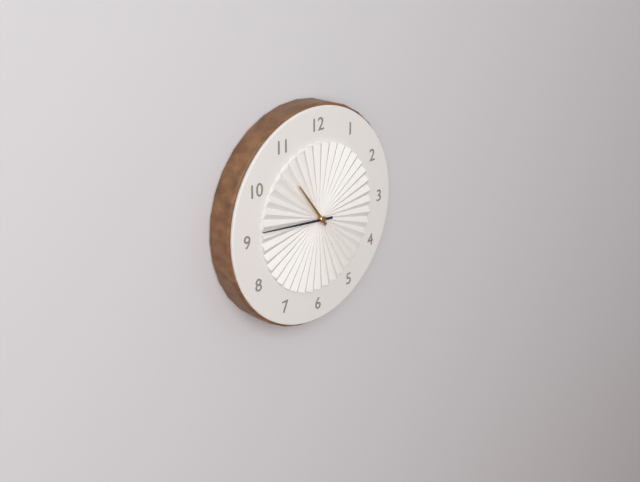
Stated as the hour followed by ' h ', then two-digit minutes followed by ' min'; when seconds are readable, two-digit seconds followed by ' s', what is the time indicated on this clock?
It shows 10 h 46 min
